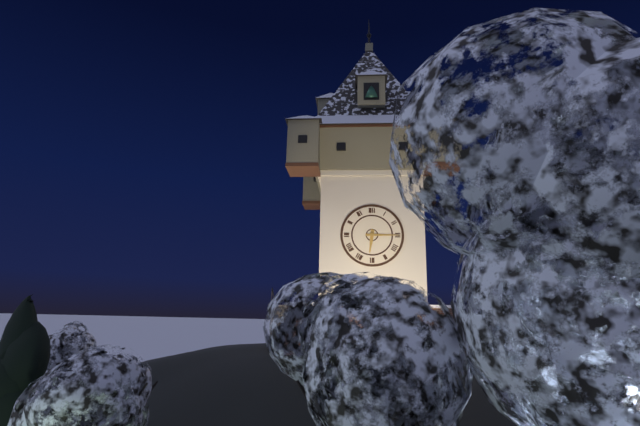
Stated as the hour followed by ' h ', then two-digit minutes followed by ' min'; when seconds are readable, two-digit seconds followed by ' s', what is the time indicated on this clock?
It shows 6 h 15 min
